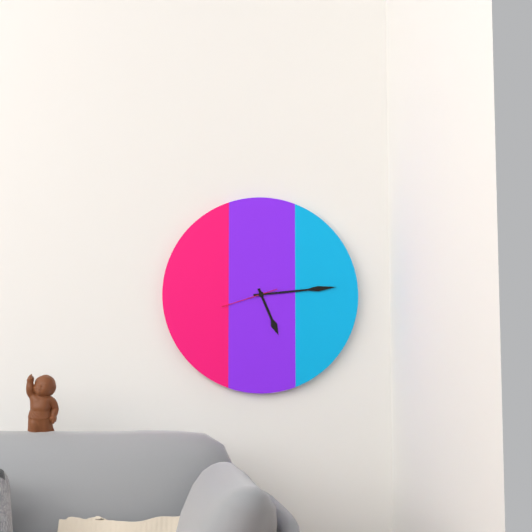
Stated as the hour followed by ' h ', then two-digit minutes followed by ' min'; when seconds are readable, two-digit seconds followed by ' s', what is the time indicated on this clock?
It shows 5 h 14 min 42 s
